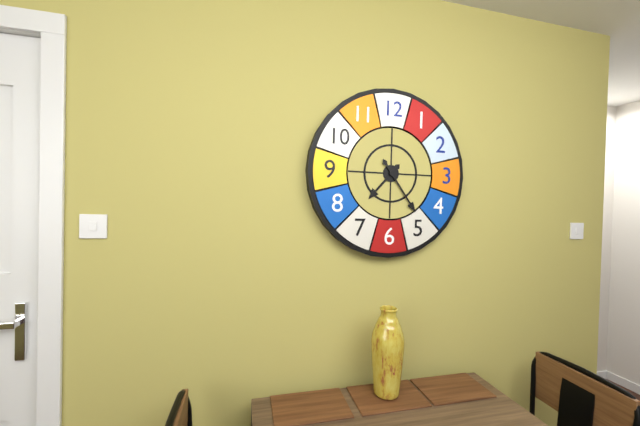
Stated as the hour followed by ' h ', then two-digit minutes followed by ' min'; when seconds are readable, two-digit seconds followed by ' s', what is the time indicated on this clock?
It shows 7 h 24 min
